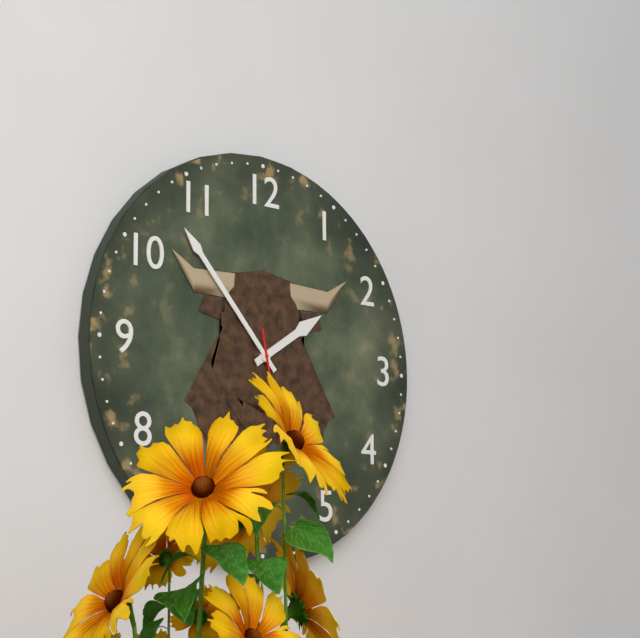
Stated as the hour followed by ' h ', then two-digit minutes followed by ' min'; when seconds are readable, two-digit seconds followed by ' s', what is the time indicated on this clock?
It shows 1 h 53 min
